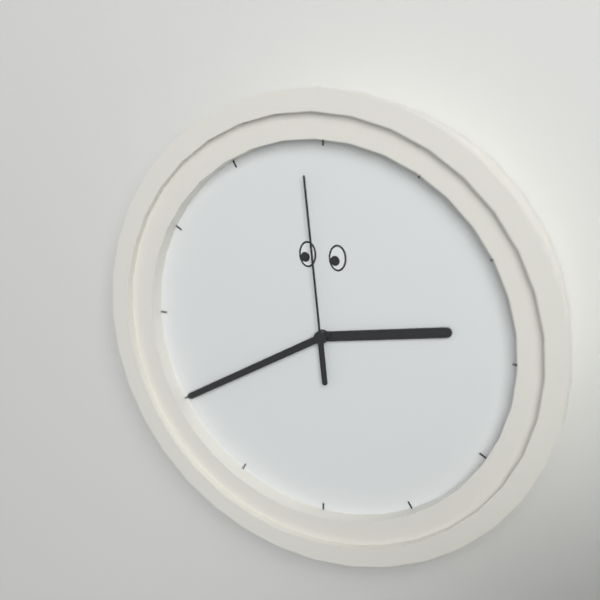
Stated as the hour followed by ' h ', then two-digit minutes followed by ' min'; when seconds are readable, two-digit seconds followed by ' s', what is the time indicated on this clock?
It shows 2 h 40 min 59 s
